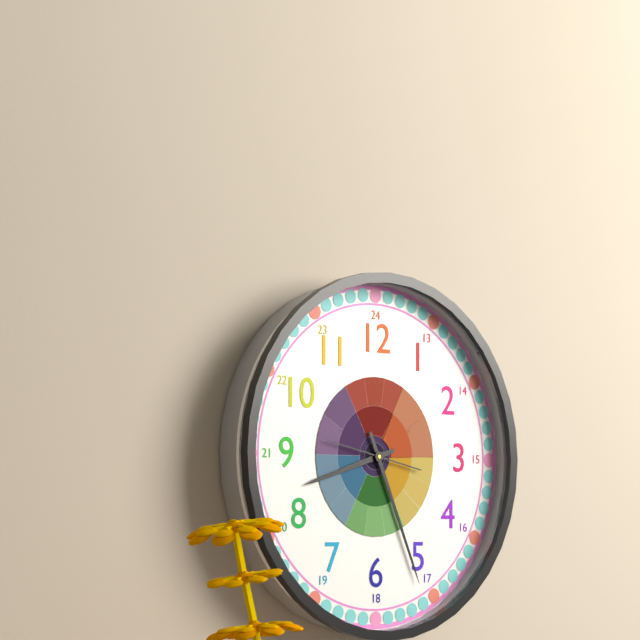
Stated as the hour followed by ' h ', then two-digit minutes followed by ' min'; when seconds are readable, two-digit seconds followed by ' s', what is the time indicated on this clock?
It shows 8 h 26 min
